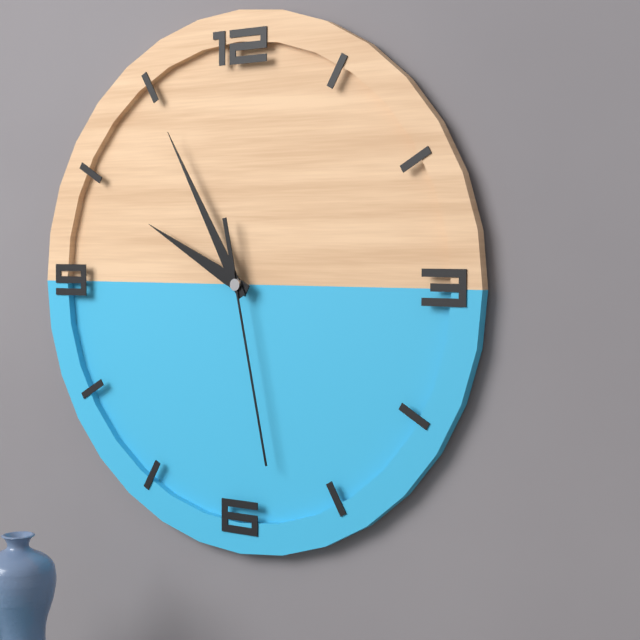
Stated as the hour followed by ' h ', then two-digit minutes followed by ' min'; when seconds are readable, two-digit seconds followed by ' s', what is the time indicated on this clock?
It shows 9 h 55 min 28 s
